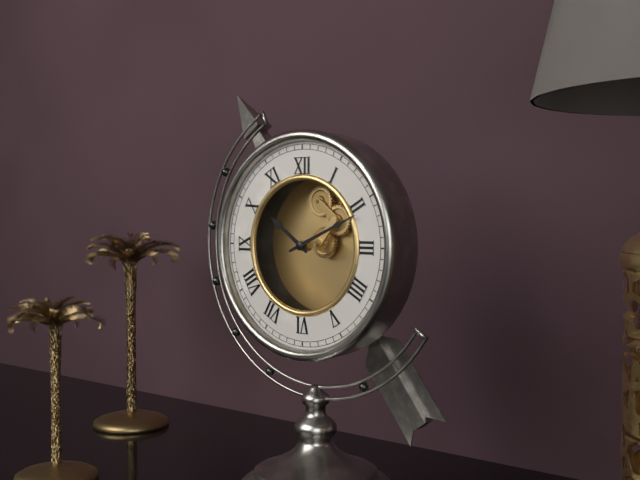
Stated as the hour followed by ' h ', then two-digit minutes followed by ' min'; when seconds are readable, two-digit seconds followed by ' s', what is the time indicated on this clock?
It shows 10 h 11 min
